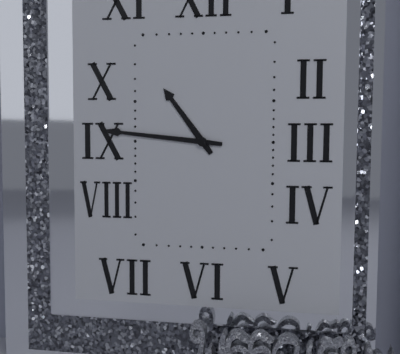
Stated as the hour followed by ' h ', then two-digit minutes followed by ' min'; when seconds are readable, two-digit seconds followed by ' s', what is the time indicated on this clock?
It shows 10 h 46 min
